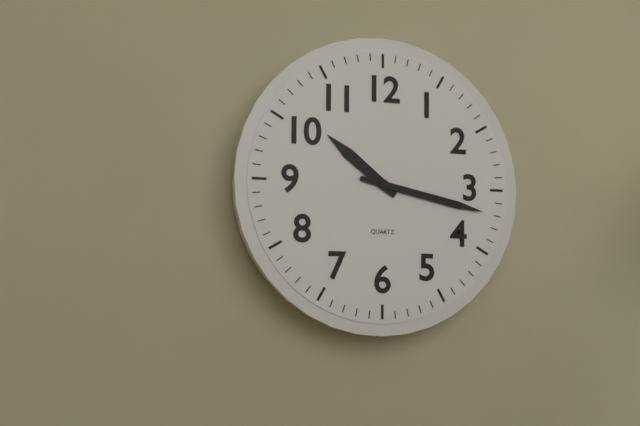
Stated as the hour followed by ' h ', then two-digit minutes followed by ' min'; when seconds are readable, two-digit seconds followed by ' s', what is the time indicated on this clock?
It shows 10 h 17 min
